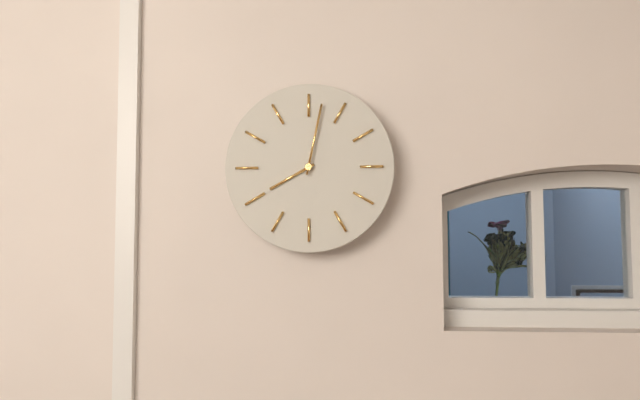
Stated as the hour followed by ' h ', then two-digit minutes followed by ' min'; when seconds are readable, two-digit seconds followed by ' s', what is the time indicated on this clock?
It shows 8 h 02 min
